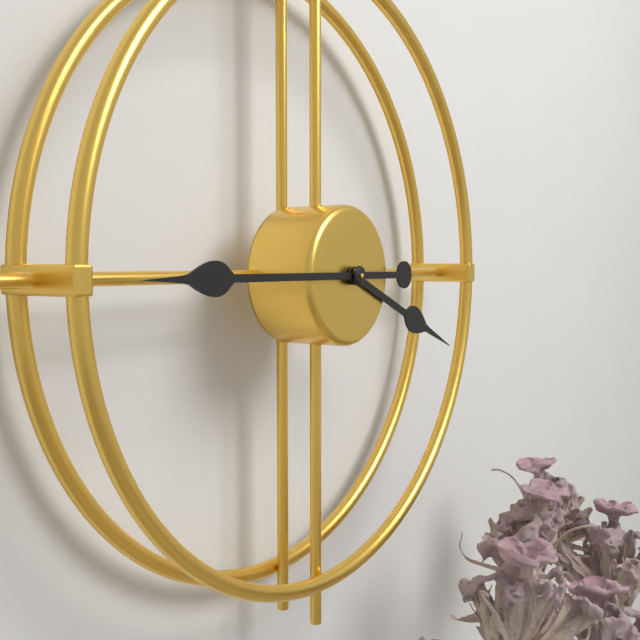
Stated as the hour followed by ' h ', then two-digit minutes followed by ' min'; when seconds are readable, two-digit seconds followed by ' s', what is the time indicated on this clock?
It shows 3 h 45 min
